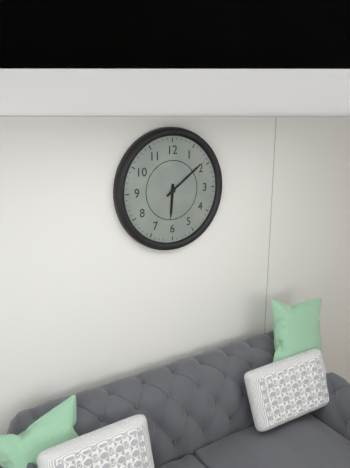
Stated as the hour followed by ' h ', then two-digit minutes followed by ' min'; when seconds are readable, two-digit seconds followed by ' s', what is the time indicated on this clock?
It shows 6 h 09 min
